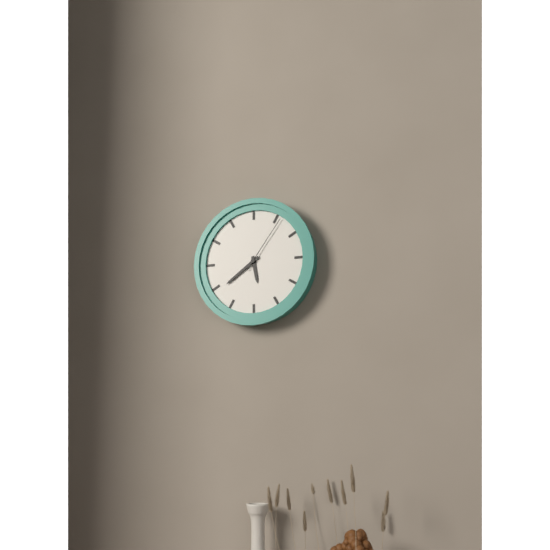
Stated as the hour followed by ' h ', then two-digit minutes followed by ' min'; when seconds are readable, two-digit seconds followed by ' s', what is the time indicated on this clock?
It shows 5 h 39 min 06 s
